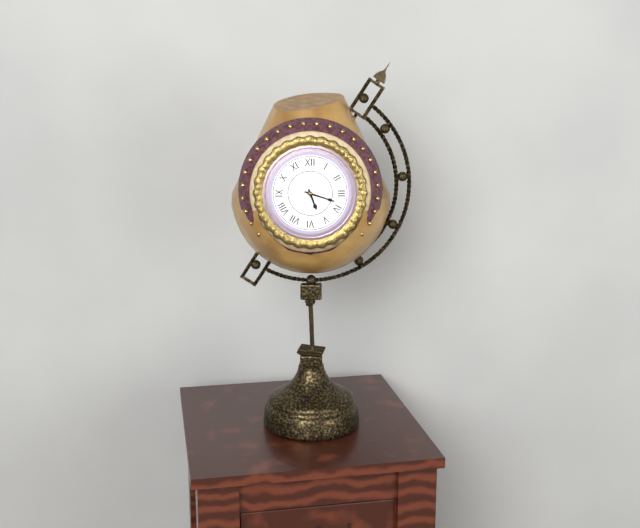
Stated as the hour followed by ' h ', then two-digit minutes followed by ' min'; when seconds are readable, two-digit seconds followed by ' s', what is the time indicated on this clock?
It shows 5 h 18 min
